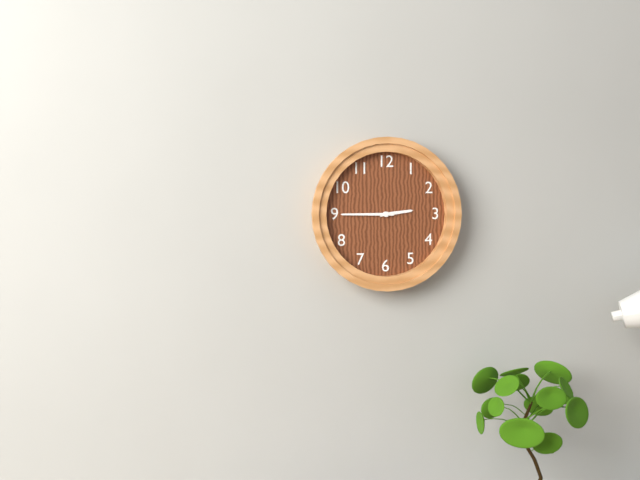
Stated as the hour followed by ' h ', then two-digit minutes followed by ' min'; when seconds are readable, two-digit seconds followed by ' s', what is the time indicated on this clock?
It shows 2 h 45 min
